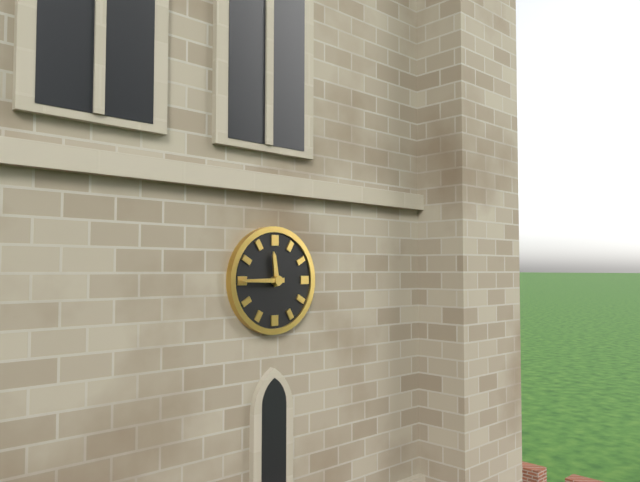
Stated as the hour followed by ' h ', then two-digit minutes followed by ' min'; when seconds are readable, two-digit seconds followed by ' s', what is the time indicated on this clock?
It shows 11 h 45 min
